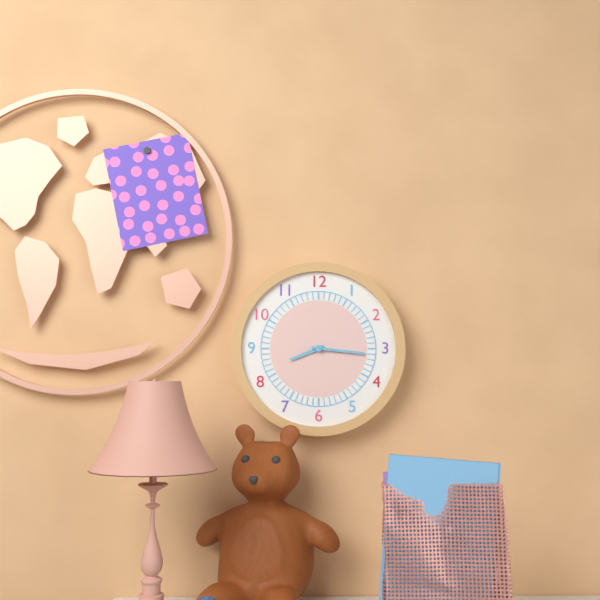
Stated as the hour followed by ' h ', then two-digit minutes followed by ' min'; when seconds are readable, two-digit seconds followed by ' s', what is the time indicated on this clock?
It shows 8 h 16 min
